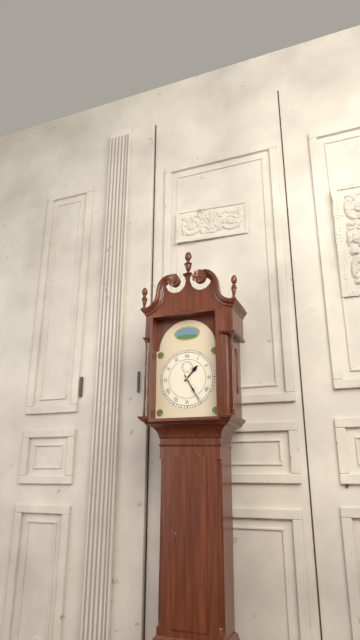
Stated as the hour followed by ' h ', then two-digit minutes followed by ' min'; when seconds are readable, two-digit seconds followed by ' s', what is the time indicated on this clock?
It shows 1 h 25 min
